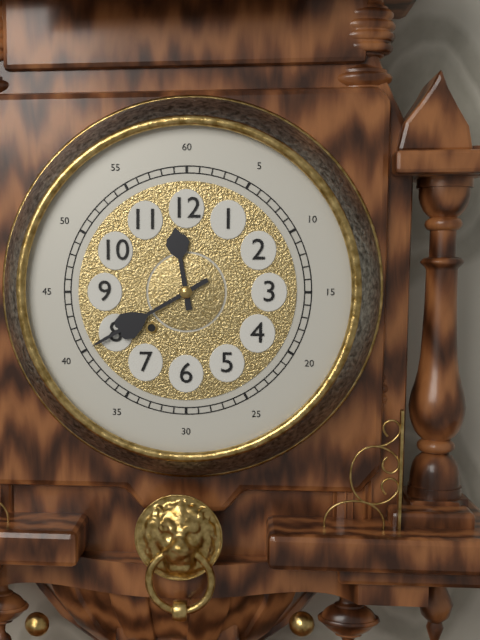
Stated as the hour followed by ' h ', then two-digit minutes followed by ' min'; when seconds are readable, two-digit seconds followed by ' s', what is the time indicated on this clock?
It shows 11 h 40 min
